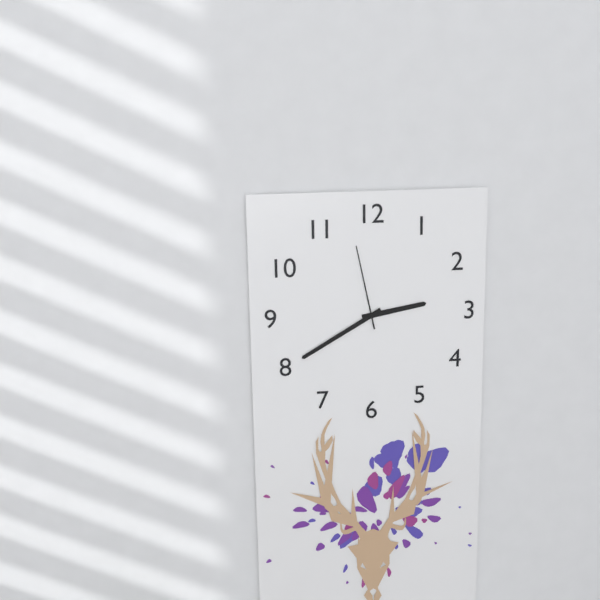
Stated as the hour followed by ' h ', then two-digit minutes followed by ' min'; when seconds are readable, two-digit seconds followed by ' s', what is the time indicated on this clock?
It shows 2 h 40 min 58 s
